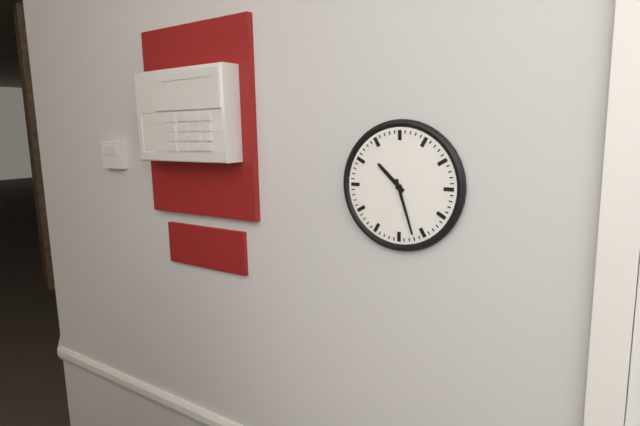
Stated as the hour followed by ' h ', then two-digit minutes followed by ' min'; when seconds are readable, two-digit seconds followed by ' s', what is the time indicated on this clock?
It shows 10 h 27 min
